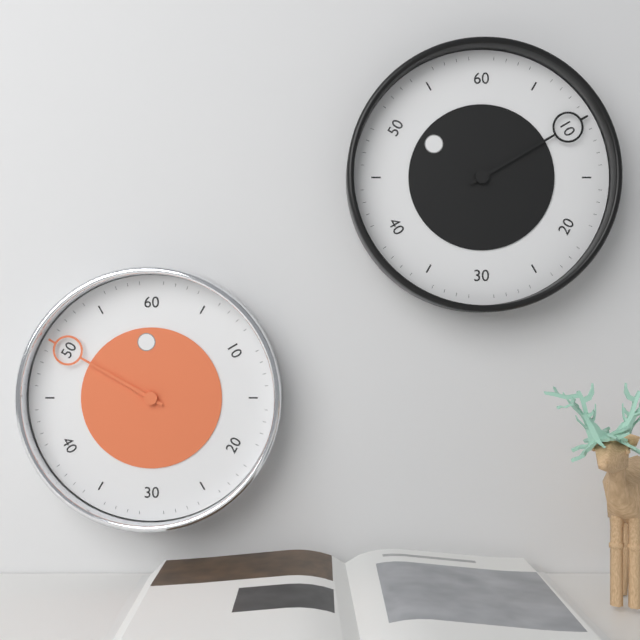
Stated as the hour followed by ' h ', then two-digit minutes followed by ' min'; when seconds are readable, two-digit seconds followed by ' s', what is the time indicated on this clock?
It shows 11 h 50 min
